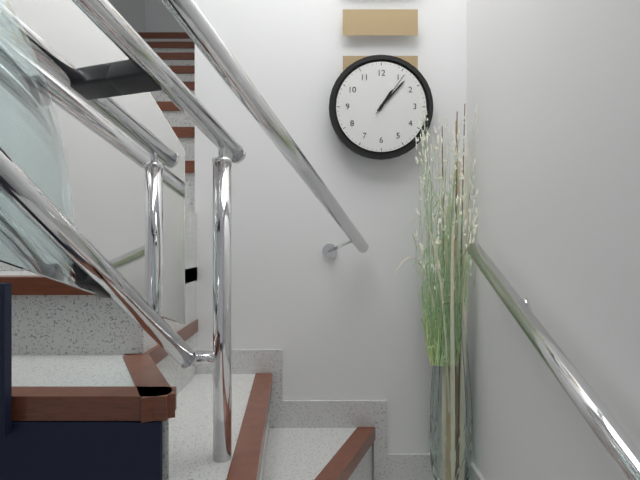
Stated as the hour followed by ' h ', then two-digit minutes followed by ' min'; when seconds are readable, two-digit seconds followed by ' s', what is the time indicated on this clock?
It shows 1 h 07 min
